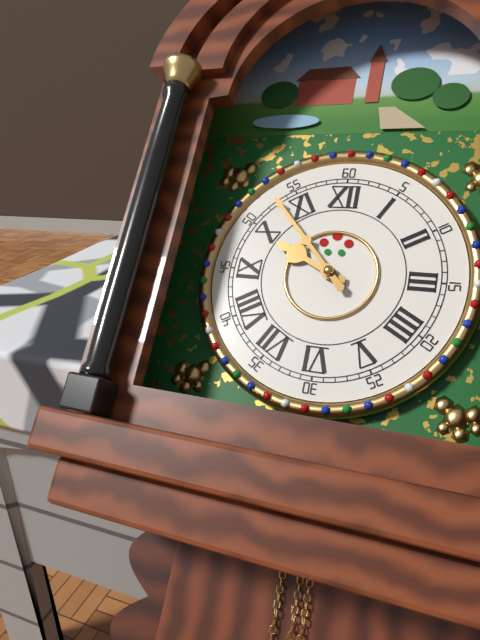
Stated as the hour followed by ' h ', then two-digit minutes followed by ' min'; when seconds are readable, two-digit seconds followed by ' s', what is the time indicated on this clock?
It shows 9 h 53 min
